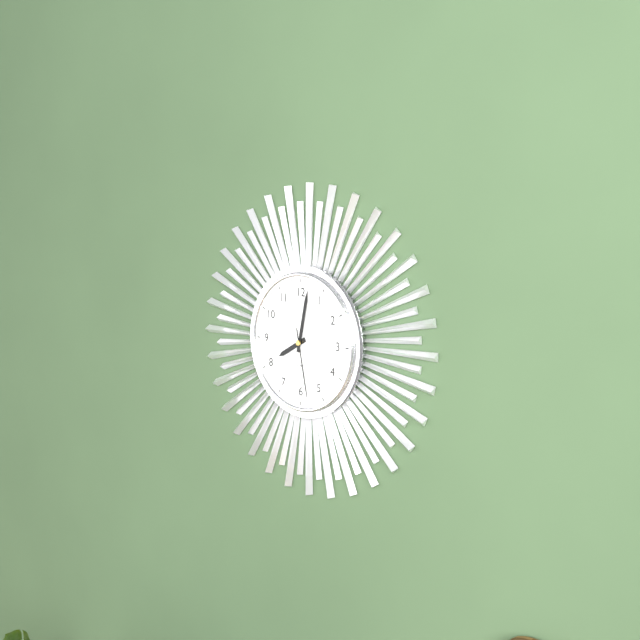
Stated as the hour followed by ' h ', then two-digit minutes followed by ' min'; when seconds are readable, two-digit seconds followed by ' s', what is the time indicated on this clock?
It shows 8 h 02 min 28 s
